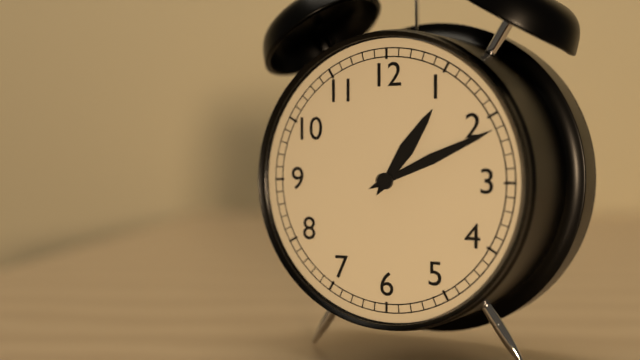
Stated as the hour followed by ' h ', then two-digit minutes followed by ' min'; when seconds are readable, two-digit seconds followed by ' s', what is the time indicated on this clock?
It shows 1 h 11 min
